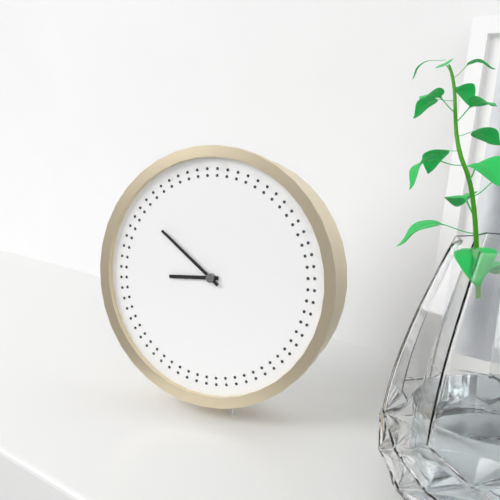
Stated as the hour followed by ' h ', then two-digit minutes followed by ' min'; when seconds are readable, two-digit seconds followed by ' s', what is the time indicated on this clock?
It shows 8 h 51 min
